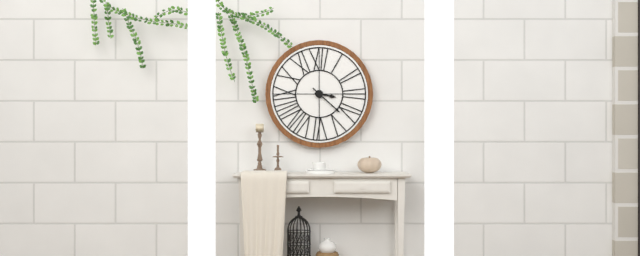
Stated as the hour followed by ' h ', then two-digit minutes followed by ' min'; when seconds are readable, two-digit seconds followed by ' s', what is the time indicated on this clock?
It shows 3 h 22 min
